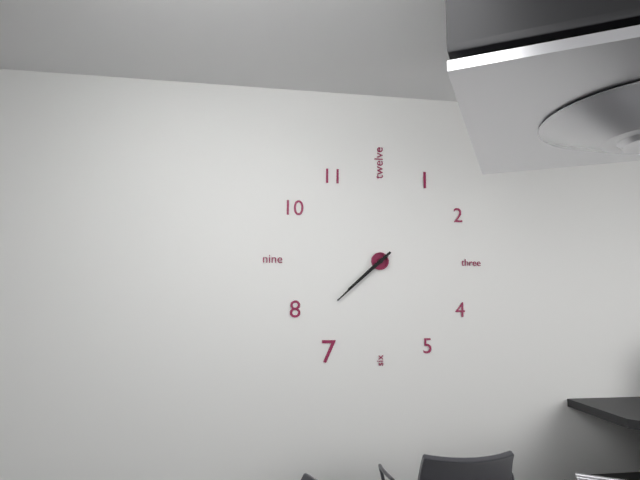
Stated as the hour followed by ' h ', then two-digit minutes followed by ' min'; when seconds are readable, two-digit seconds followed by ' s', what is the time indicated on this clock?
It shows 7 h 38 min
